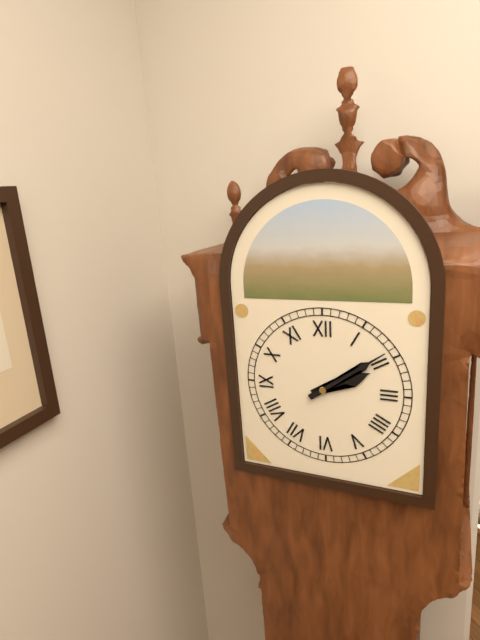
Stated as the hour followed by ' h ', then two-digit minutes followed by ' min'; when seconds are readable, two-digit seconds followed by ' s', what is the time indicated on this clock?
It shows 2 h 09 min
